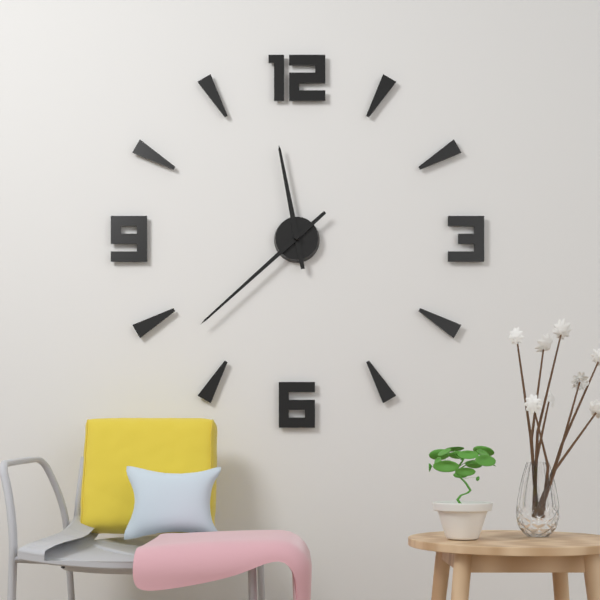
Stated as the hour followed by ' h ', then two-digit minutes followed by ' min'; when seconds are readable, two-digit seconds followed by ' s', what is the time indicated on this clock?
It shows 11 h 38 min
